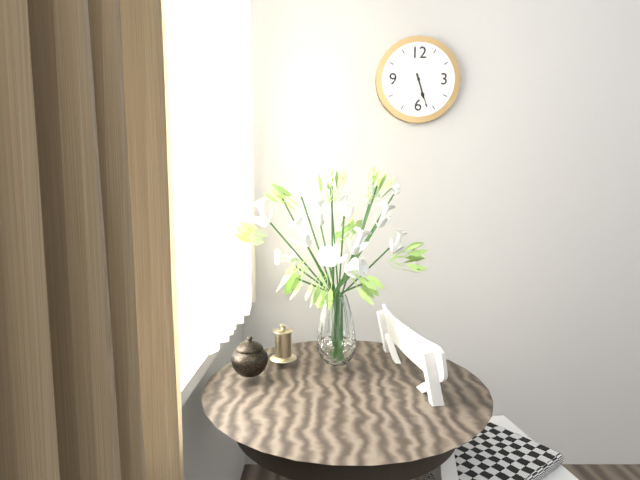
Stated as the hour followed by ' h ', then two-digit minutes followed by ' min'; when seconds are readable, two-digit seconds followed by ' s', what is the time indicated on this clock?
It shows 5 h 27 min
